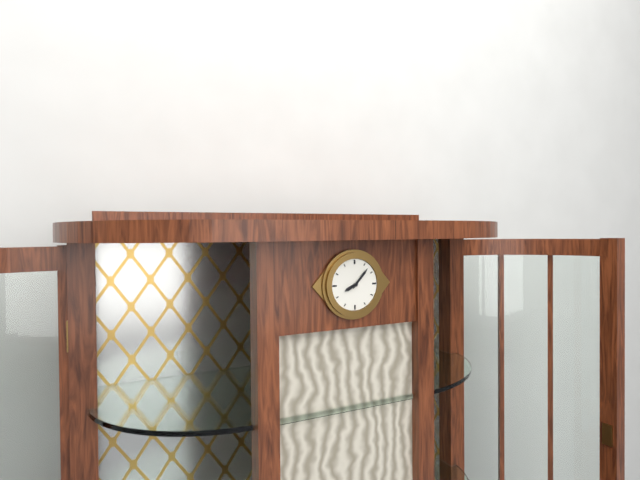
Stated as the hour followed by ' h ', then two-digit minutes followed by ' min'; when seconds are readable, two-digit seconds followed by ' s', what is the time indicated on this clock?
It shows 8 h 07 min
